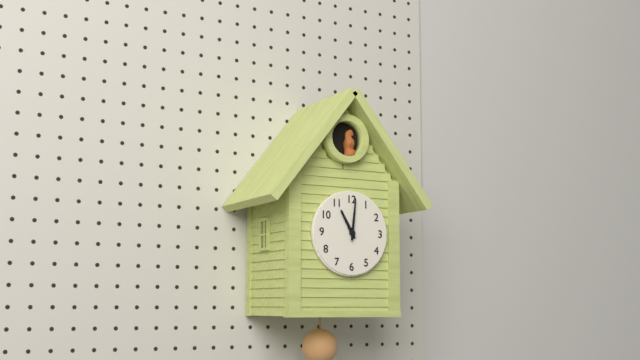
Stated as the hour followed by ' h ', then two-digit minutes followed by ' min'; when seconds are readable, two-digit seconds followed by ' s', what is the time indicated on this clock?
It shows 11 h 01 min
